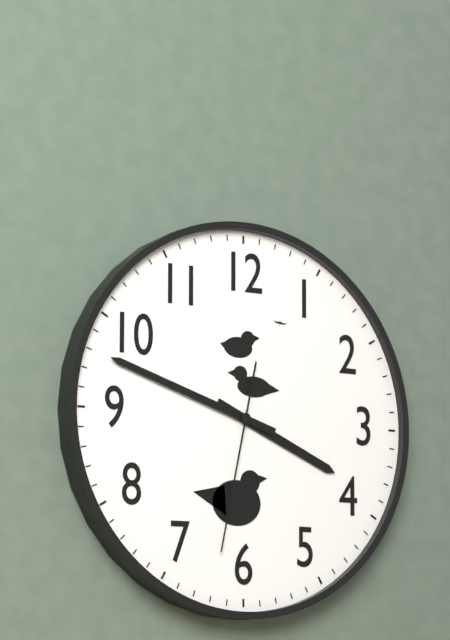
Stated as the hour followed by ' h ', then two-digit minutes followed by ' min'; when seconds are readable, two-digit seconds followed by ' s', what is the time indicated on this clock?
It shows 3 h 48 min 32 s
